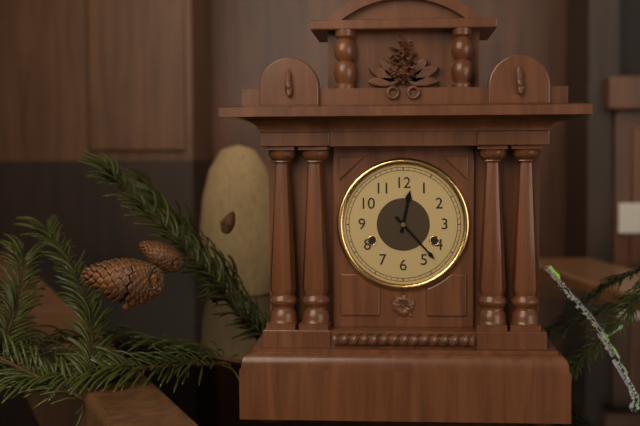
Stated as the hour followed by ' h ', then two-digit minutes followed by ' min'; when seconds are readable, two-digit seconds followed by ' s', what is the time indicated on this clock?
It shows 12 h 23 min
